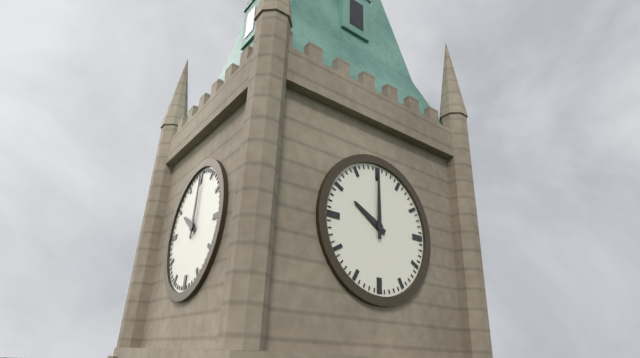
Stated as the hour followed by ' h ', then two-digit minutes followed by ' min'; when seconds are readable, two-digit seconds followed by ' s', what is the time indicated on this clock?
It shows 10 h 00 min
